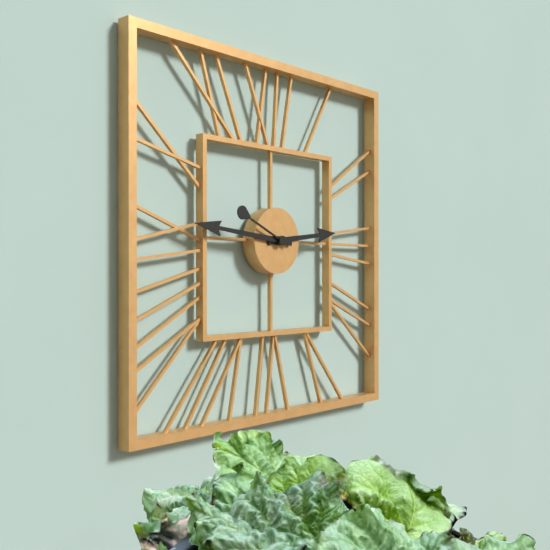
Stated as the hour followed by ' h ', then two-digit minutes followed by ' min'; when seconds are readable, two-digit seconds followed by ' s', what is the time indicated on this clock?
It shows 2 h 46 min
